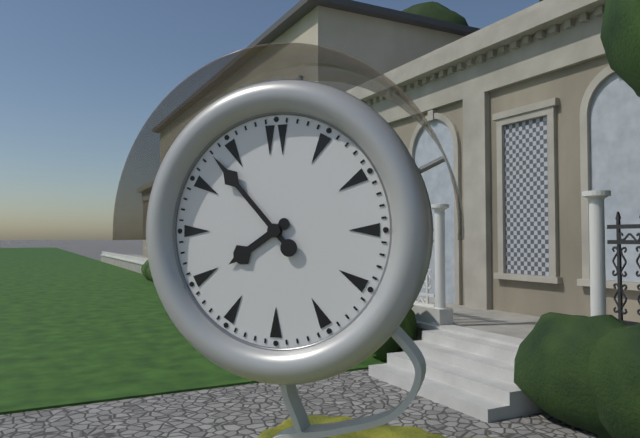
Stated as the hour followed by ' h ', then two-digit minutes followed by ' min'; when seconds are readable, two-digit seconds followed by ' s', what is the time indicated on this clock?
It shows 7 h 53 min
